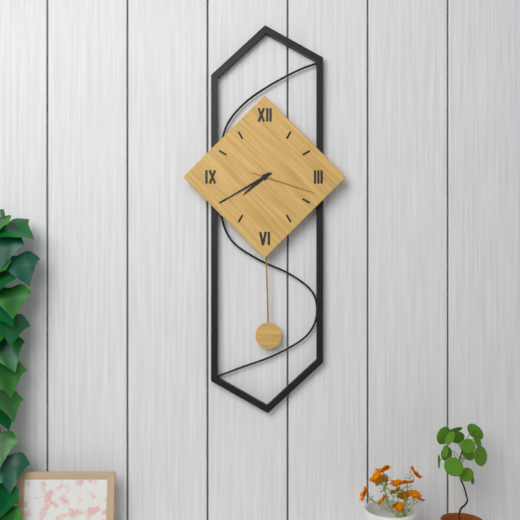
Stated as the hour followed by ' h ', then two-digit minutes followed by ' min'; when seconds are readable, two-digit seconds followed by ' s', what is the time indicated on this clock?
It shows 7 h 40 min 18 s
